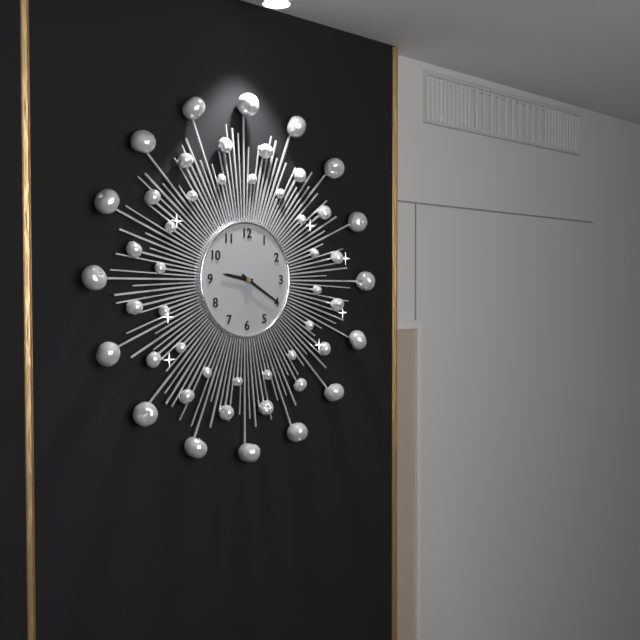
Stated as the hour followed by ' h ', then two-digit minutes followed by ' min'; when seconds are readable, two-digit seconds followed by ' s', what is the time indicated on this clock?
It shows 9 h 20 min
